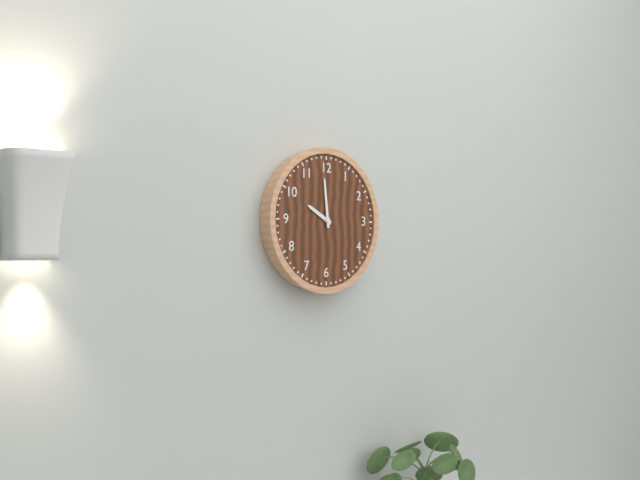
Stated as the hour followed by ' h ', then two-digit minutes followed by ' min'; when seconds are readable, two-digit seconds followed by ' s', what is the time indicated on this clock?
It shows 9 h 59 min
